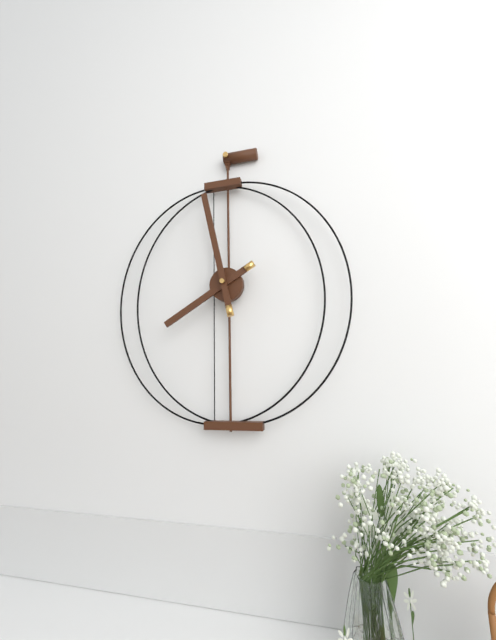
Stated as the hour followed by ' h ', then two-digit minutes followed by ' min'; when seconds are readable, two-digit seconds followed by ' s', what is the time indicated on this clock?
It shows 7 h 58 min
